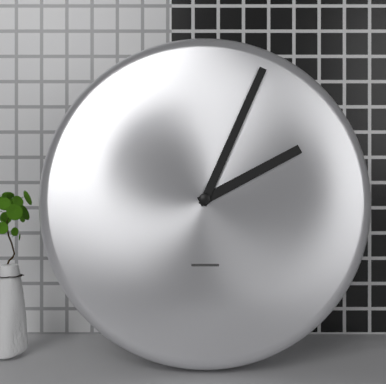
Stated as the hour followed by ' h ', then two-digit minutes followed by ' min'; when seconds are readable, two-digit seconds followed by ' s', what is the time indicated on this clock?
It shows 2 h 04 min
